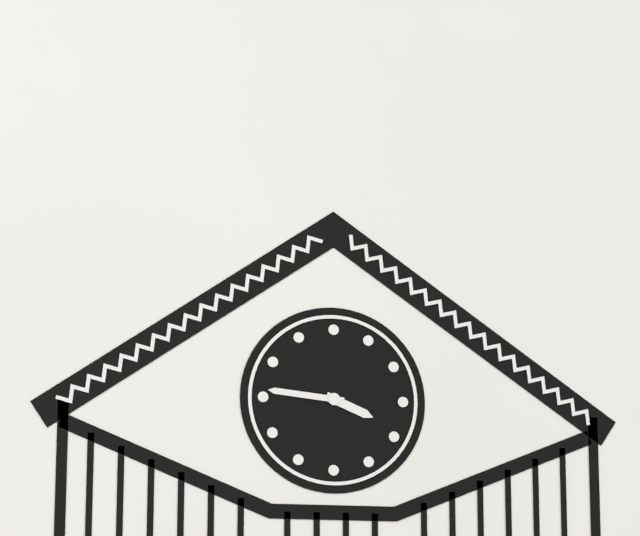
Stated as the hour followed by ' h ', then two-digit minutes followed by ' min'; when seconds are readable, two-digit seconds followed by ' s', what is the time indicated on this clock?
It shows 3 h 46 min
